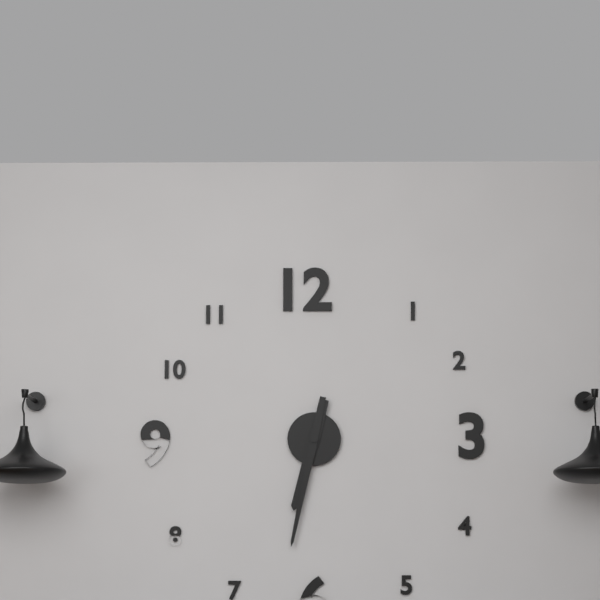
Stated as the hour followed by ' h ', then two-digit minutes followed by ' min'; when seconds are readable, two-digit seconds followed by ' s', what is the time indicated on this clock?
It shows 6 h 32 min
